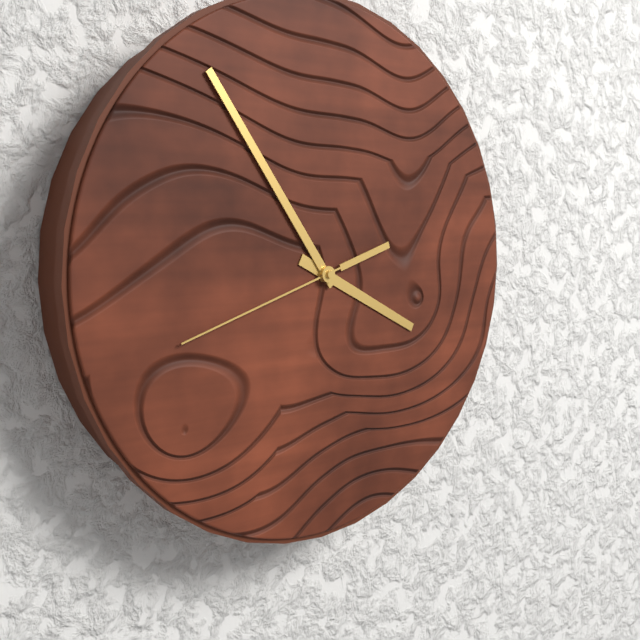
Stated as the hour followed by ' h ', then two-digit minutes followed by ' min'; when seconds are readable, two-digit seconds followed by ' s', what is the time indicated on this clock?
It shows 3 h 54 min 42 s
